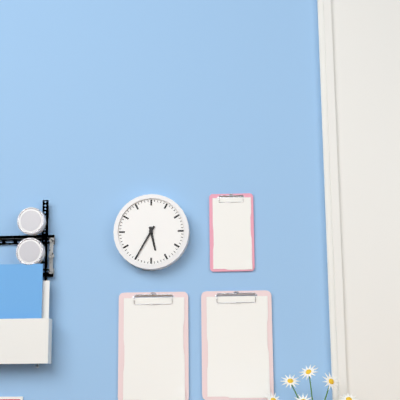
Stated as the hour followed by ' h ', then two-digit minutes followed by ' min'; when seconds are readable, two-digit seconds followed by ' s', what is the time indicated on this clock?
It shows 5 h 35 min
